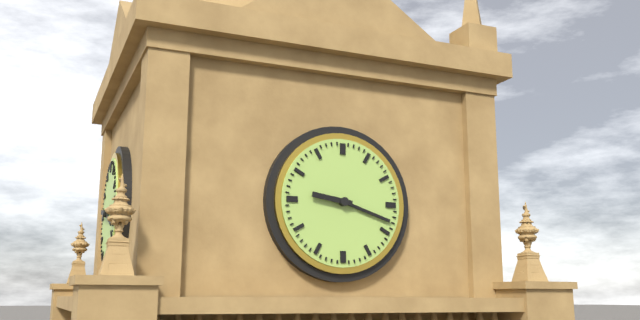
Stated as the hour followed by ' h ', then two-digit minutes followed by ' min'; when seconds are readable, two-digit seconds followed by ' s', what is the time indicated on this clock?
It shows 9 h 18 min
